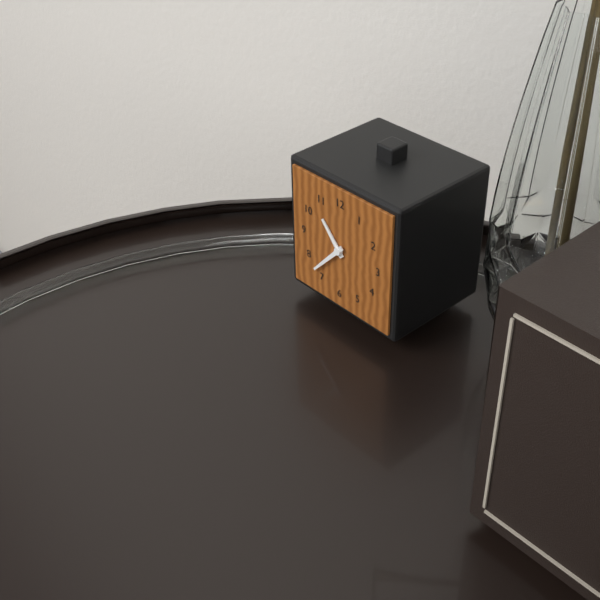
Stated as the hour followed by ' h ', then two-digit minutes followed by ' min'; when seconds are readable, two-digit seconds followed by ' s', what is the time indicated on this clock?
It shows 10 h 37 min
